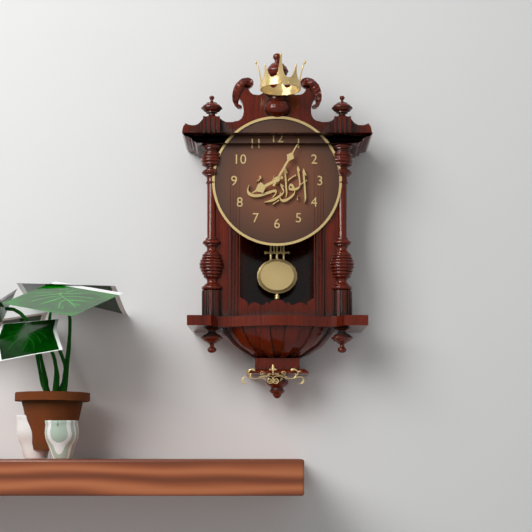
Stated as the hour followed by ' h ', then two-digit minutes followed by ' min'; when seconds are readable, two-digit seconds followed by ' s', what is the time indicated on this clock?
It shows 8 h 05 min
